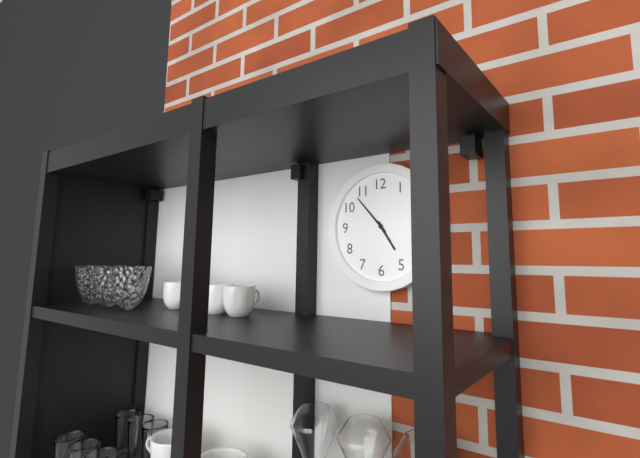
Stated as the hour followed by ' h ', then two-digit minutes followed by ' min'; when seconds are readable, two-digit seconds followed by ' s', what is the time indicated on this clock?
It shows 4 h 53 min
